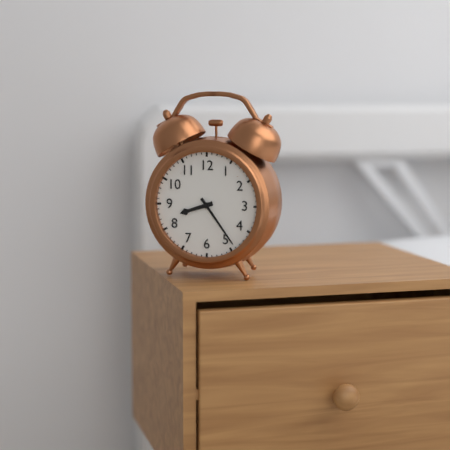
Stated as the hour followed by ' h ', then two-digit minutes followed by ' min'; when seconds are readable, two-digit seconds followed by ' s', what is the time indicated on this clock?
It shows 8 h 24 min
